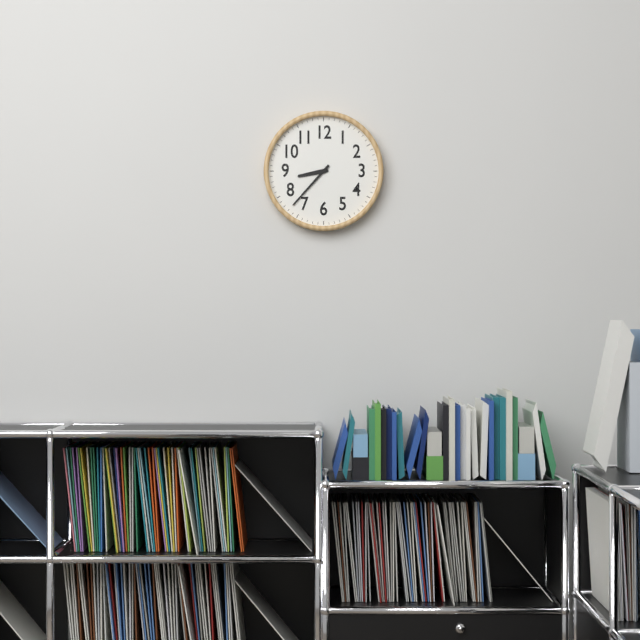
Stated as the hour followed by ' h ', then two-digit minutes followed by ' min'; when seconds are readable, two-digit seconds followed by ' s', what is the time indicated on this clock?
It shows 8 h 37 min
